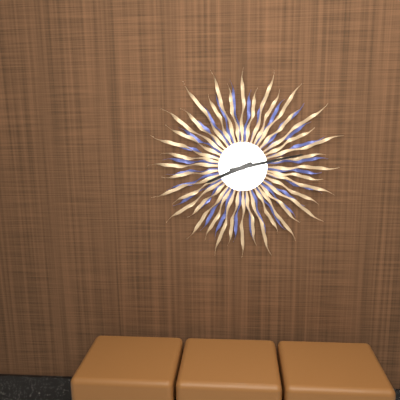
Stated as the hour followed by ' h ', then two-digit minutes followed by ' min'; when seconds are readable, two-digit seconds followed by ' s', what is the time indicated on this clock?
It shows 8 h 13 min
